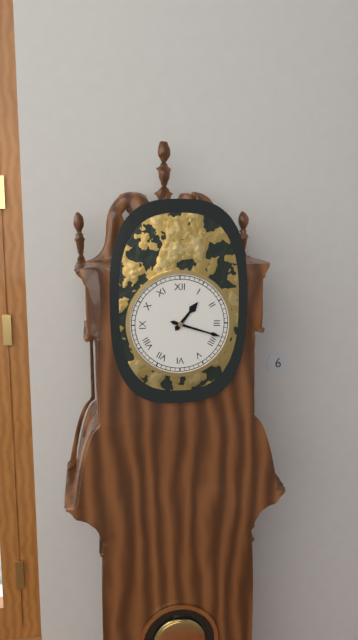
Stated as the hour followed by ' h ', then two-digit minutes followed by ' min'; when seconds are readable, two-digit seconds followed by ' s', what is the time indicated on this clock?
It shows 1 h 18 min
